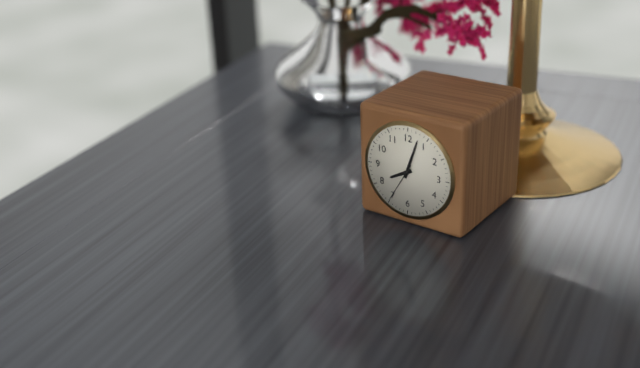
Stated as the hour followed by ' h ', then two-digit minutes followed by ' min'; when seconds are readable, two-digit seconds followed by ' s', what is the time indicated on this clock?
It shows 8 h 03 min
